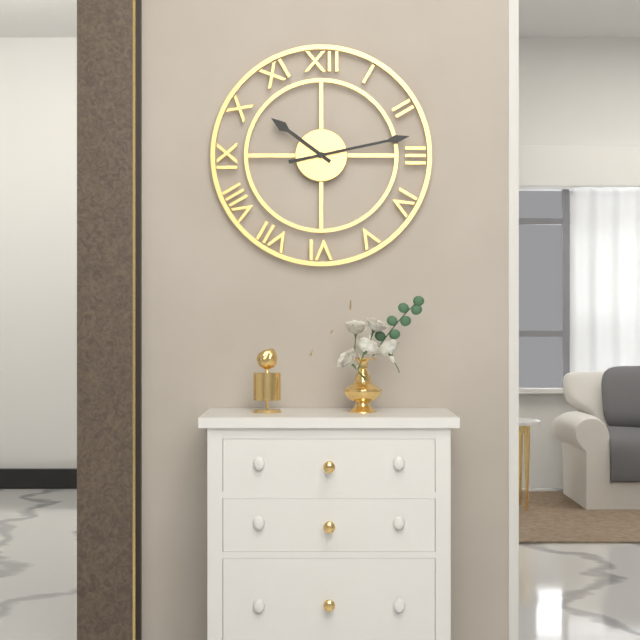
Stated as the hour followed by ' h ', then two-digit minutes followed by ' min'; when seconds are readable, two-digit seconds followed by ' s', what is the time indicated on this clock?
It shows 10 h 13 min
